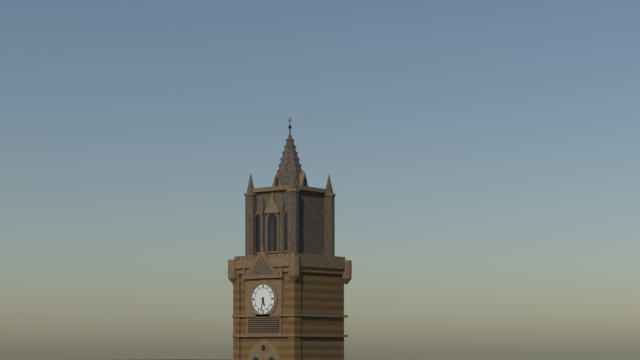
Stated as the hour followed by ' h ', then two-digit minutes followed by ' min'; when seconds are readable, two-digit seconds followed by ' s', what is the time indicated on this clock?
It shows 5 h 32 min
